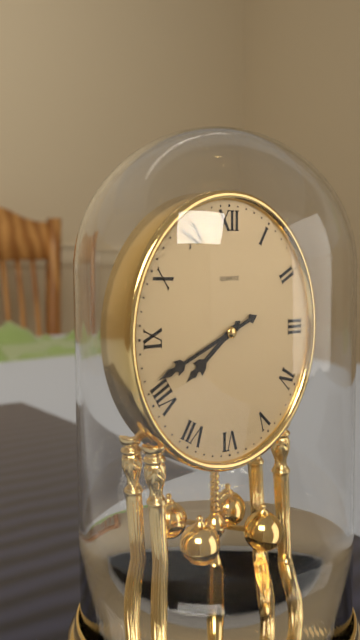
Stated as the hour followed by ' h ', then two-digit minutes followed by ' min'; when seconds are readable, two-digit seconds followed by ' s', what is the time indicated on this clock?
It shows 7 h 41 min
